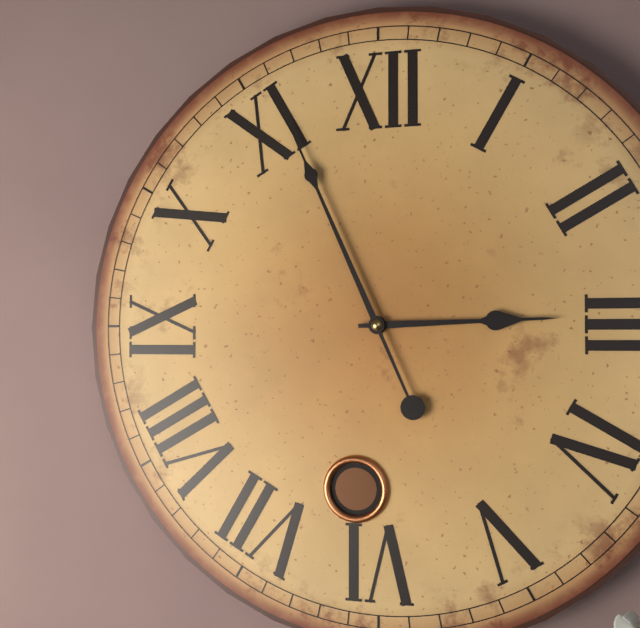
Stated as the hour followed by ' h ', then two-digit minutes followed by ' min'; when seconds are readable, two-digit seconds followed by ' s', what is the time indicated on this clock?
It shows 2 h 56 min
